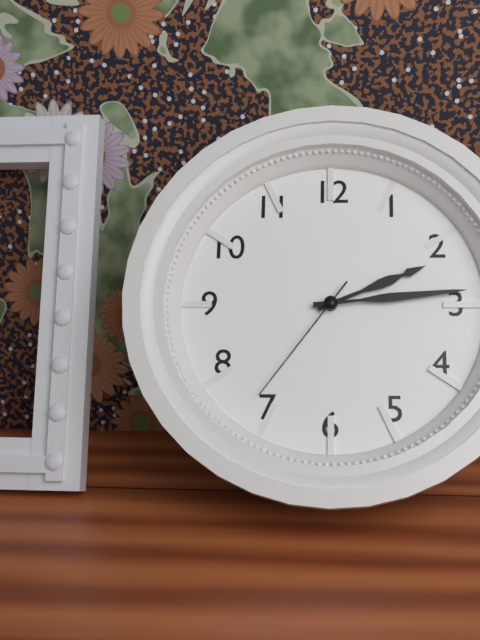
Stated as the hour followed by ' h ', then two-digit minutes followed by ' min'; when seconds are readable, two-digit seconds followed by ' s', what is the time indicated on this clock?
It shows 2 h 14 min 36 s
